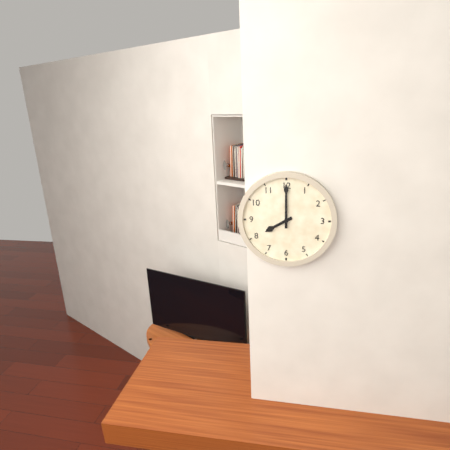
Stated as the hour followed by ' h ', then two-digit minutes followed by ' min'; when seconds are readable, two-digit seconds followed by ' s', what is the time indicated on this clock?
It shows 8 h 00 min
